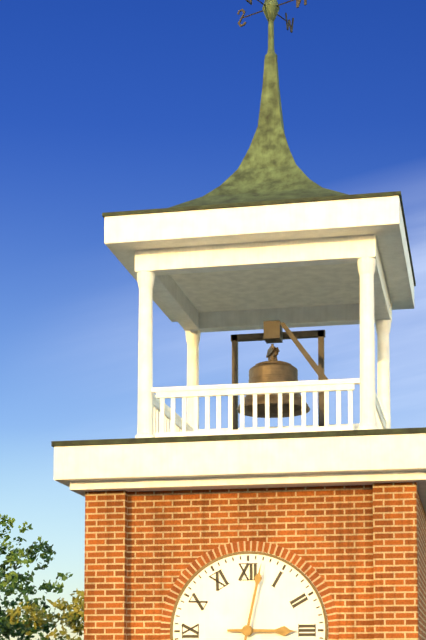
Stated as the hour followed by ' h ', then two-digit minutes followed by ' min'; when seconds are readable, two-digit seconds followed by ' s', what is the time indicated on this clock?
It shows 3 h 02 min
